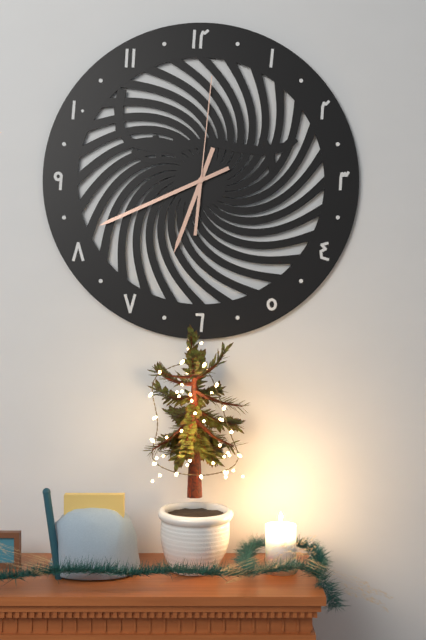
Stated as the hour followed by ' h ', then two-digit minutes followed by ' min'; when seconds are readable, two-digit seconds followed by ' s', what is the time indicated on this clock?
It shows 6 h 41 min 01 s
